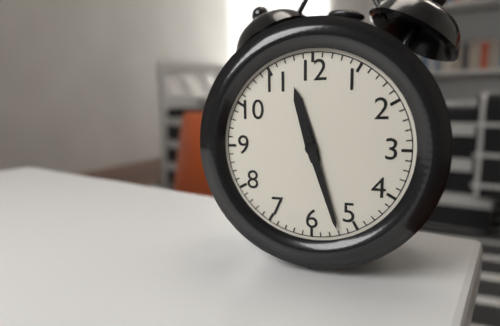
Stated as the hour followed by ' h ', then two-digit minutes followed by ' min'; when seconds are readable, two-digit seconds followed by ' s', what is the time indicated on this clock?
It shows 11 h 27 min
